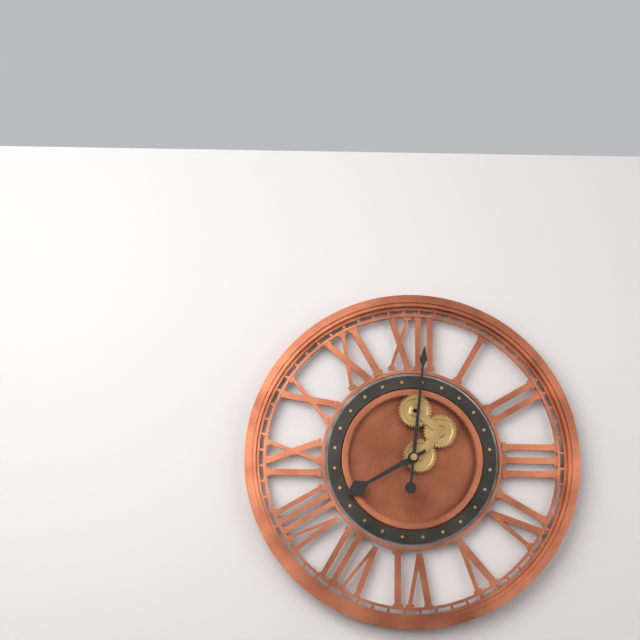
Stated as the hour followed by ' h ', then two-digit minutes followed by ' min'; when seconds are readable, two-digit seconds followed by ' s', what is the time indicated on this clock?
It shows 8 h 01 min
